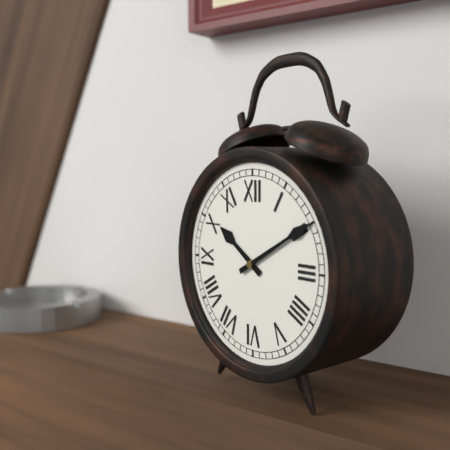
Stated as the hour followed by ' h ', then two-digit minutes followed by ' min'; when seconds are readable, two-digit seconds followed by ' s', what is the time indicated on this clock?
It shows 10 h 10 min
